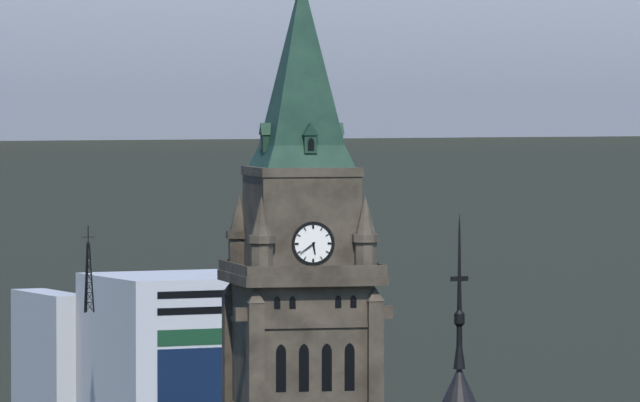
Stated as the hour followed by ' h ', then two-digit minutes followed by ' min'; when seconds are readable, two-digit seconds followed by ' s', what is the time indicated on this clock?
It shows 5 h 39 min
